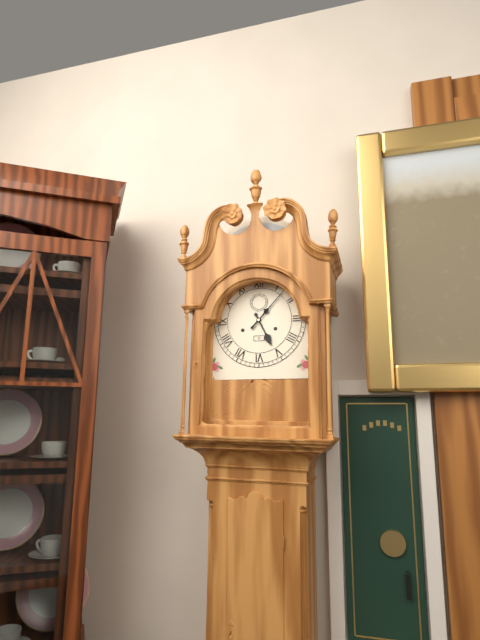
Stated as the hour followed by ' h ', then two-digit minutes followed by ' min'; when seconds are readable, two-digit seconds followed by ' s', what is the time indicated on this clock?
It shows 5 h 07 min
